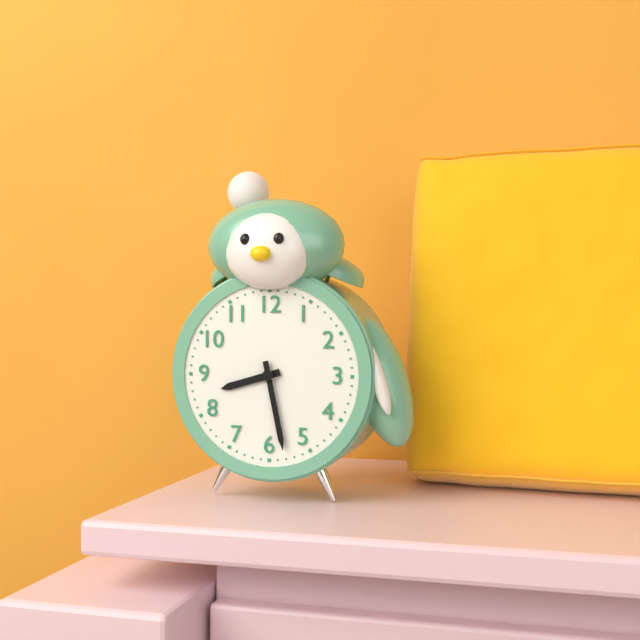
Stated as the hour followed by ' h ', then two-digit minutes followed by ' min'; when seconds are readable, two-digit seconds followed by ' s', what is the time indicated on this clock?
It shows 8 h 28 min
